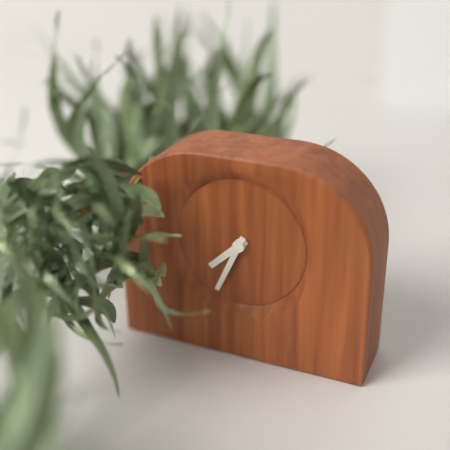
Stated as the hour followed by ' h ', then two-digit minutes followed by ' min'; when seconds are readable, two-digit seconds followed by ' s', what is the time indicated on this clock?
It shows 7 h 34 min
